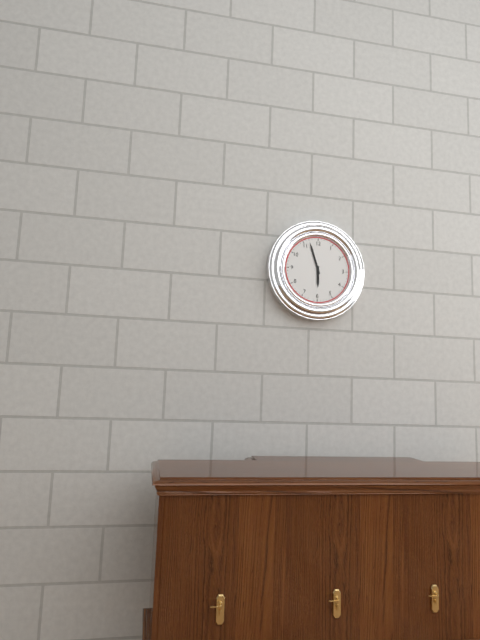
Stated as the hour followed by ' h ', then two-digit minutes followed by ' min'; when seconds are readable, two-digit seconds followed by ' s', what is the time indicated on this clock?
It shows 5 h 57 min
